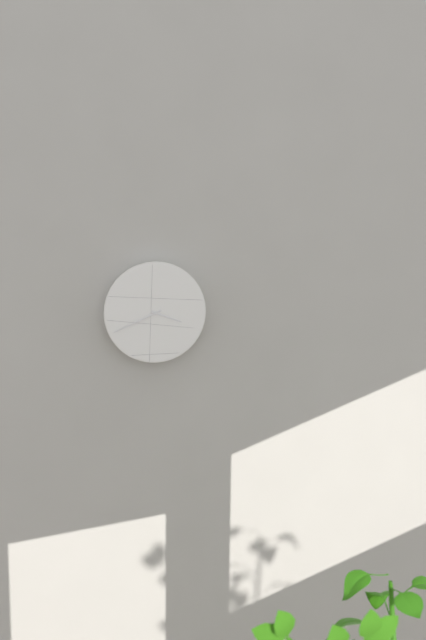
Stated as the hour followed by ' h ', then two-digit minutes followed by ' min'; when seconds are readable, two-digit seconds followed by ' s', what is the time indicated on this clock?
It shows 3 h 41 min
